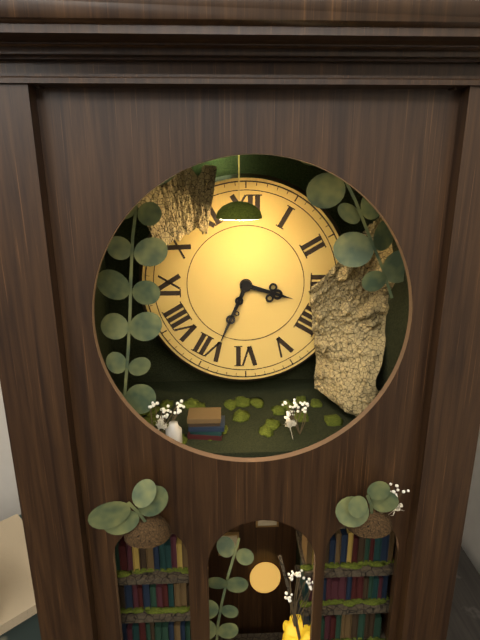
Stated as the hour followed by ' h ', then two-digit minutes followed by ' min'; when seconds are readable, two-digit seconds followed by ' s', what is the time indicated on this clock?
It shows 3 h 34 min
